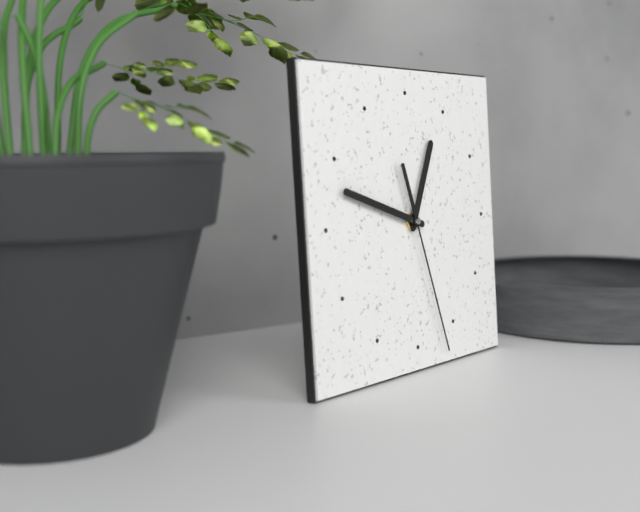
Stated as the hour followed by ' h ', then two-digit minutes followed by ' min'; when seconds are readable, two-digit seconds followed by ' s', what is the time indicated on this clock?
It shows 12 h 48 min 27 s
